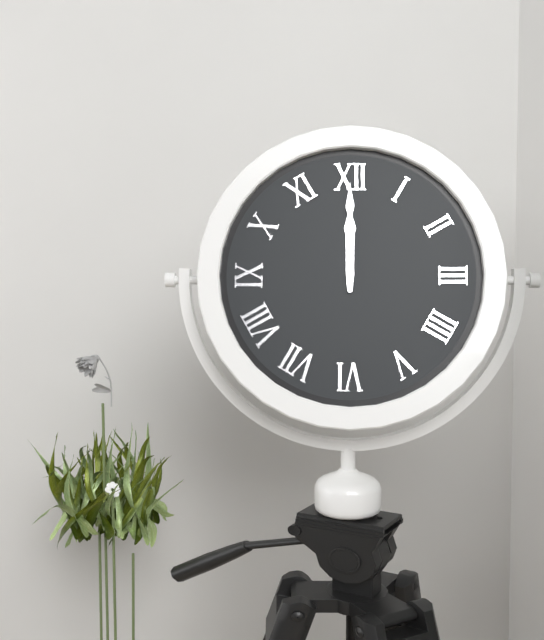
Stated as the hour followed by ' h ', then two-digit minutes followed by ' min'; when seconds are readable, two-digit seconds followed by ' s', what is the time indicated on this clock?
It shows 12 h 00 min
